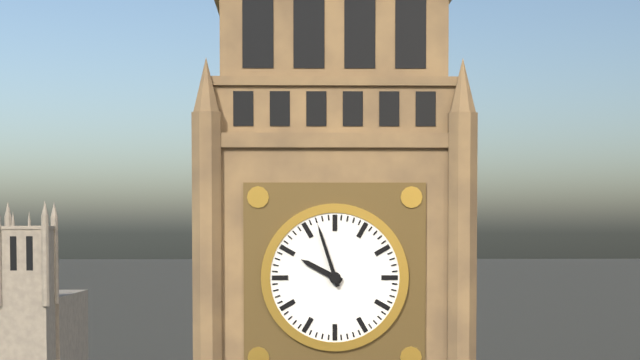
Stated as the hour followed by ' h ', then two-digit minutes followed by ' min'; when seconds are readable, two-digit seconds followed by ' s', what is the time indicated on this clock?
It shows 9 h 57 min
